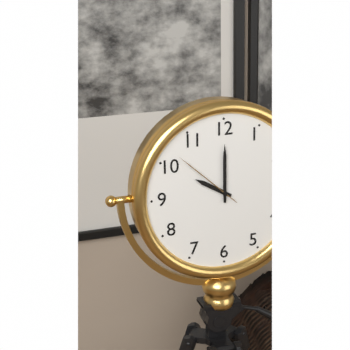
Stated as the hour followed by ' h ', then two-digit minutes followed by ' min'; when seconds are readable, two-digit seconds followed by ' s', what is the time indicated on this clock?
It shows 10 h 00 min 52 s
